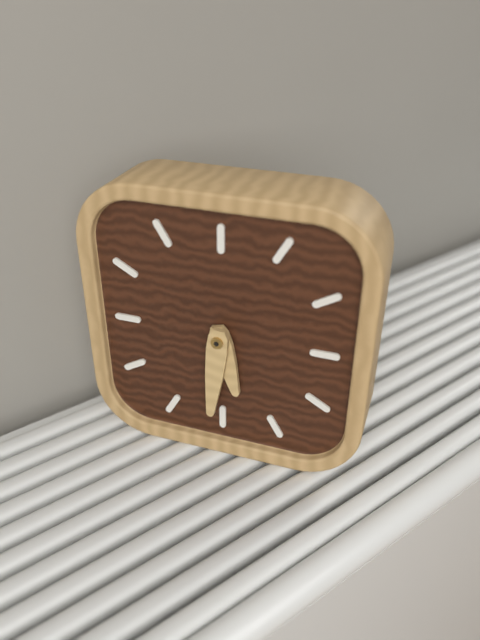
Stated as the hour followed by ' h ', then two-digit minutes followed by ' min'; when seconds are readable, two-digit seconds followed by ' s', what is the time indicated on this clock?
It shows 5 h 31 min
